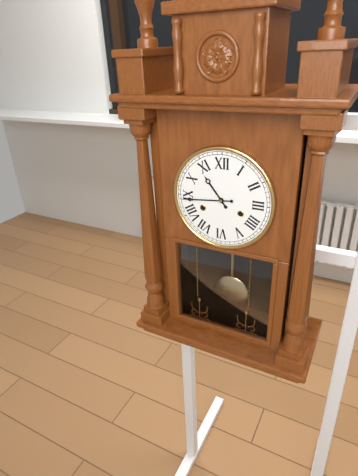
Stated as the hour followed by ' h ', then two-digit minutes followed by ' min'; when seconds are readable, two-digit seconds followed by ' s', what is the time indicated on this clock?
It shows 10 h 44 min
